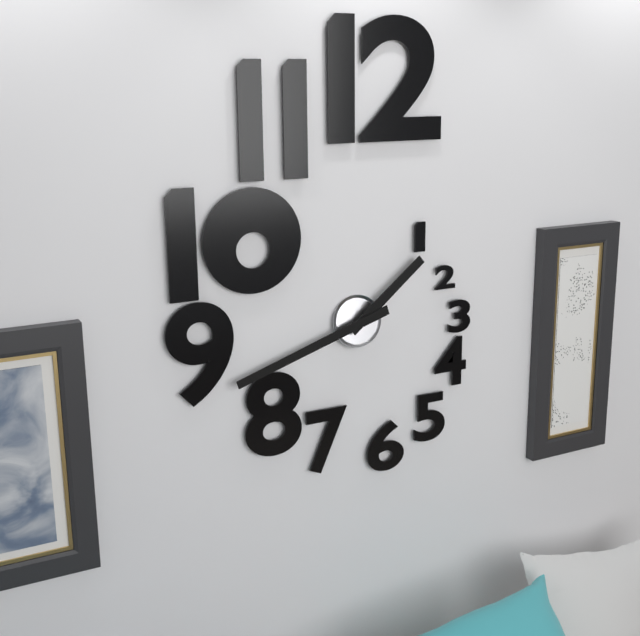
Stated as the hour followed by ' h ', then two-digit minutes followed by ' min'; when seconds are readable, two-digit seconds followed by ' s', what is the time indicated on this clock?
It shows 1 h 42 min
